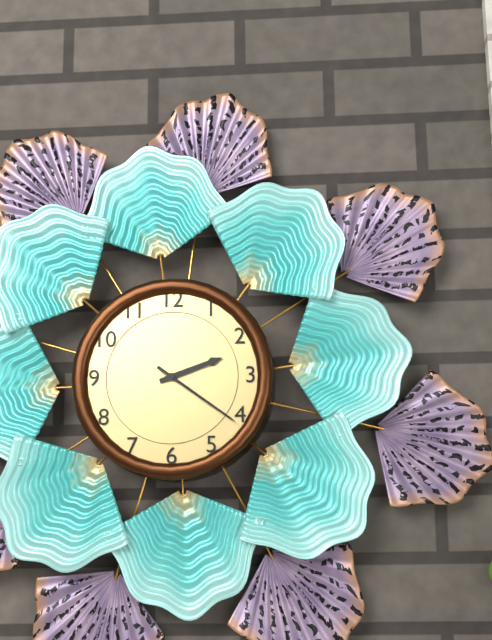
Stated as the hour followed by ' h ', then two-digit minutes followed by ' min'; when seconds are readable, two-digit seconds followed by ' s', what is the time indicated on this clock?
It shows 2 h 21 min
